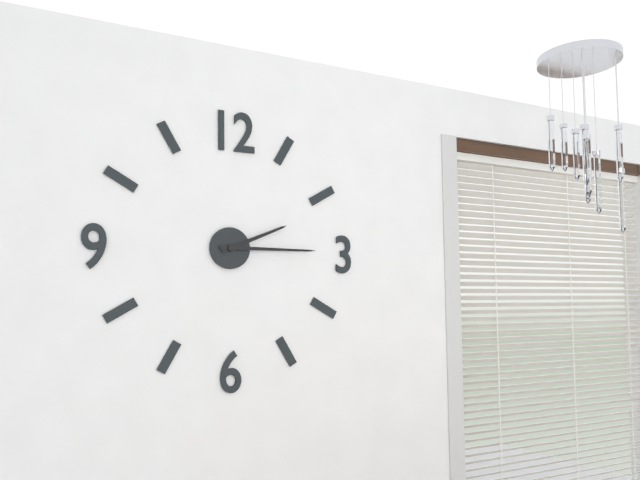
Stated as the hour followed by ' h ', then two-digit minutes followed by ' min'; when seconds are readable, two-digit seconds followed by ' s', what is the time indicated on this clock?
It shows 2 h 15 min
